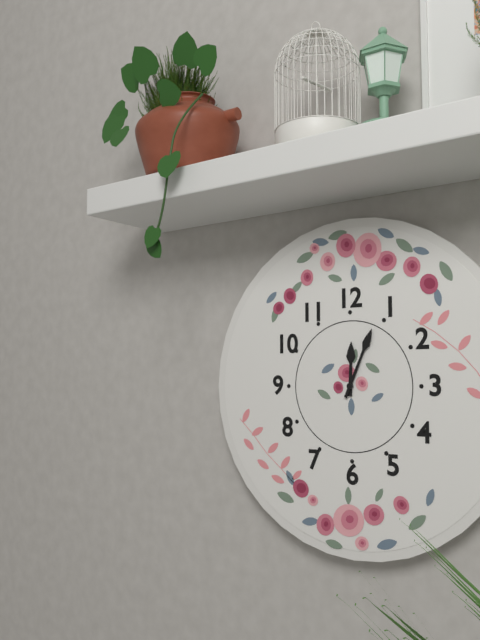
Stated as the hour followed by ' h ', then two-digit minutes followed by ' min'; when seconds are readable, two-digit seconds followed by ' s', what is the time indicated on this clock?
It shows 12 h 04 min
